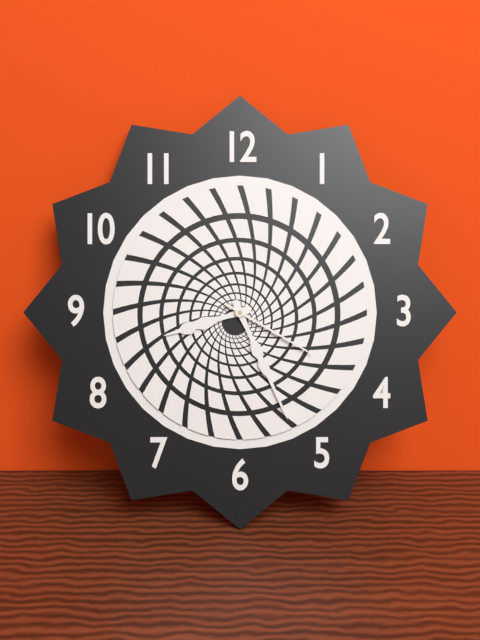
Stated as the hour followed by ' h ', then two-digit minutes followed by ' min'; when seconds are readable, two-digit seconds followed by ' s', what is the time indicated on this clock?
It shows 8 h 26 min 20 s
